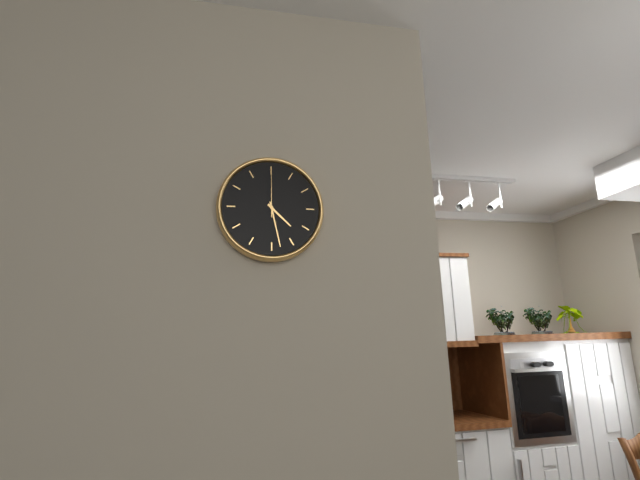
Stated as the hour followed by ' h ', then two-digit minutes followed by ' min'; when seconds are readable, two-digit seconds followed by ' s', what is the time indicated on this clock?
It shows 4 h 28 min 00 s
